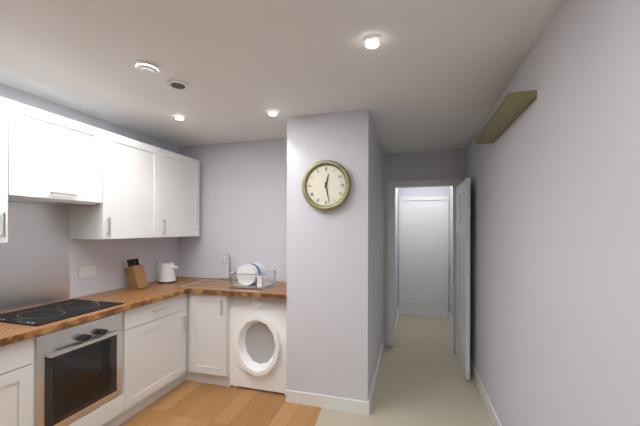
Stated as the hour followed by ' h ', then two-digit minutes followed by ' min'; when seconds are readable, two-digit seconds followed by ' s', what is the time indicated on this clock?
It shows 12 h 28 min
